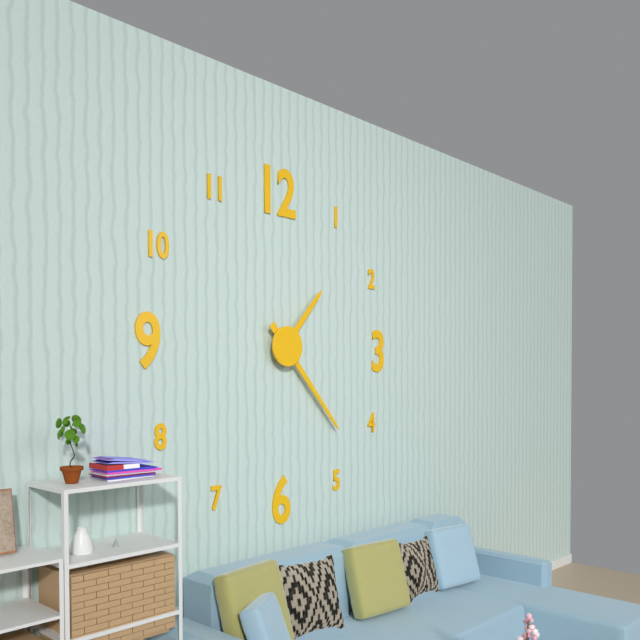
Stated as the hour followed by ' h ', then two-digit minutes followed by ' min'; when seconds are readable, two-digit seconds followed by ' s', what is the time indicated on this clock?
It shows 1 h 23 min
